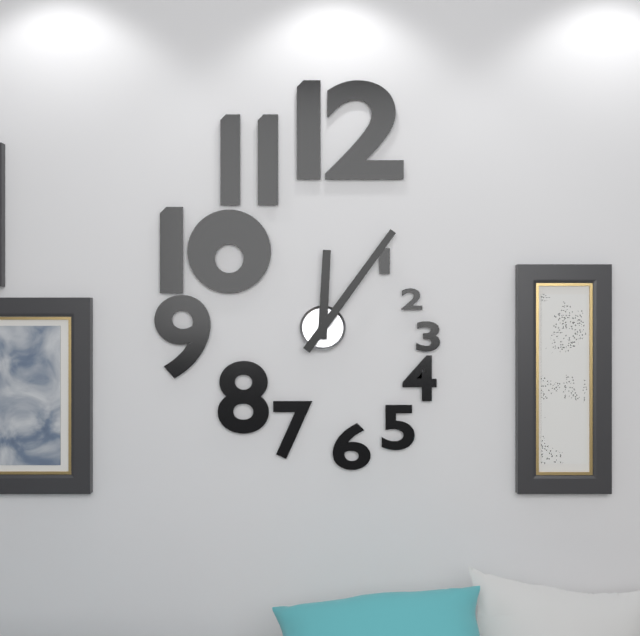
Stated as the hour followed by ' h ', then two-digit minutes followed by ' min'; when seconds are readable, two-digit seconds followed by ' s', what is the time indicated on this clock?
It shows 12 h 06 min
